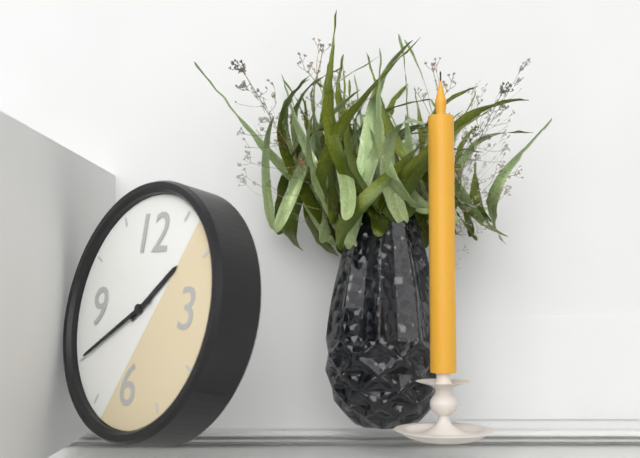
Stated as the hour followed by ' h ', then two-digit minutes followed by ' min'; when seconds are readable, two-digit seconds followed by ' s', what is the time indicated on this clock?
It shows 1 h 40 min
